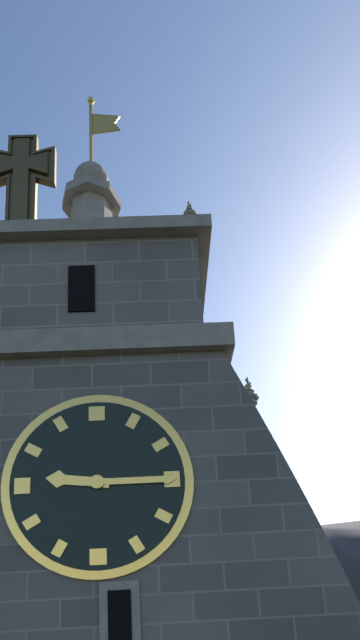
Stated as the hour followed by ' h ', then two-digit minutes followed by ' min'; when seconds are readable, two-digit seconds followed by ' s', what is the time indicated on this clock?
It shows 9 h 15 min
